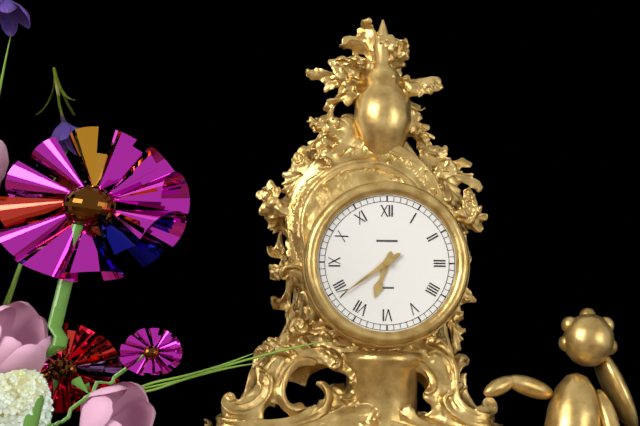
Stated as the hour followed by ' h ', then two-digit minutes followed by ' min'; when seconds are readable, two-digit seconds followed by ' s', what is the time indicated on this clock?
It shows 6 h 39 min
